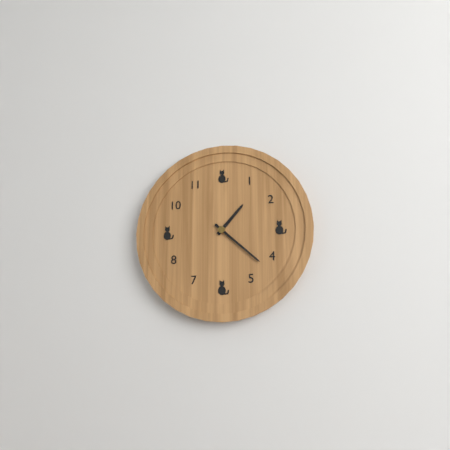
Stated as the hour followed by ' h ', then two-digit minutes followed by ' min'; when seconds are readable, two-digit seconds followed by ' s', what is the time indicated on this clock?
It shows 1 h 22 min
